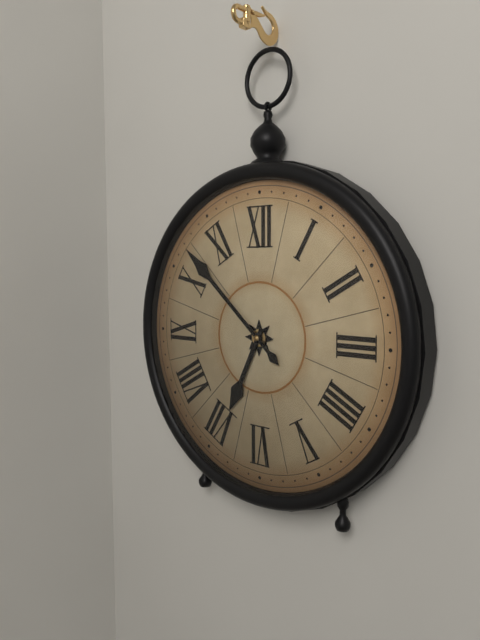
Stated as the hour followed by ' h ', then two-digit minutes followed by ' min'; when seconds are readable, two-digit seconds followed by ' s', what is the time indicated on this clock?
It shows 6 h 52 min
